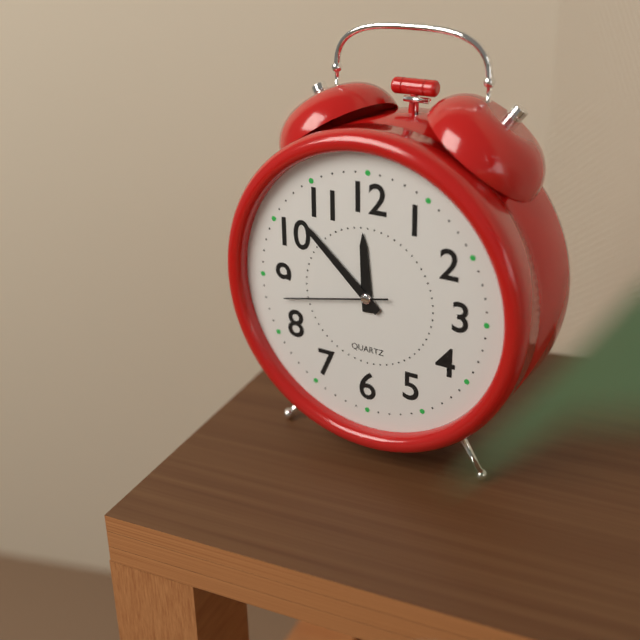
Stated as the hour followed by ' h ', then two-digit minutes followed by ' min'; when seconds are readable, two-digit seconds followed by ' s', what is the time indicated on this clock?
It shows 11 h 52 min 43 s
